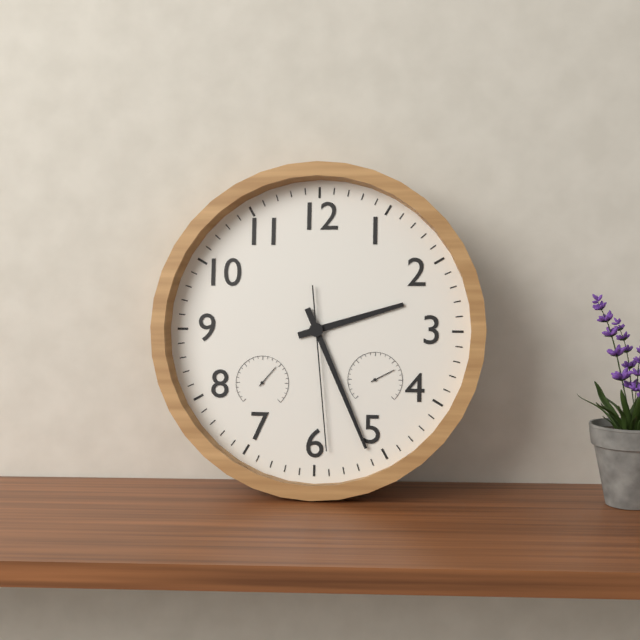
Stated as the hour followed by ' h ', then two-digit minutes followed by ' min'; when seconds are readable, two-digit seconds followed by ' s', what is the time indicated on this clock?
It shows 2 h 26 min 29 s
